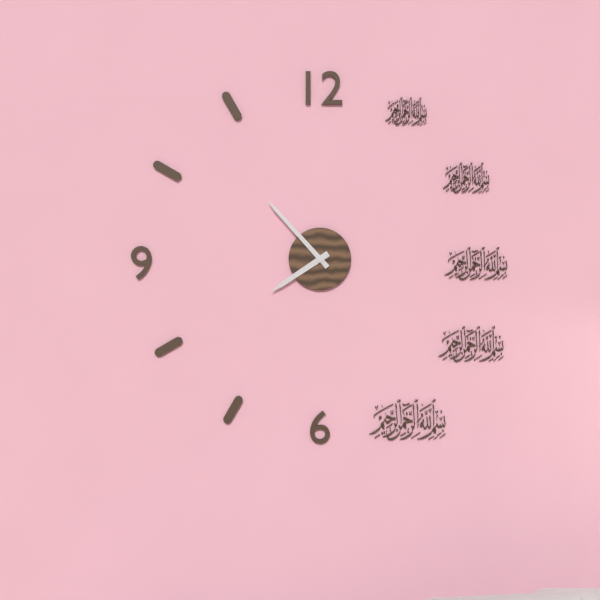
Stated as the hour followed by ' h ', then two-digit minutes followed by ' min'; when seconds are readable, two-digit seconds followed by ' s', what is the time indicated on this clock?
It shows 7 h 53 min
